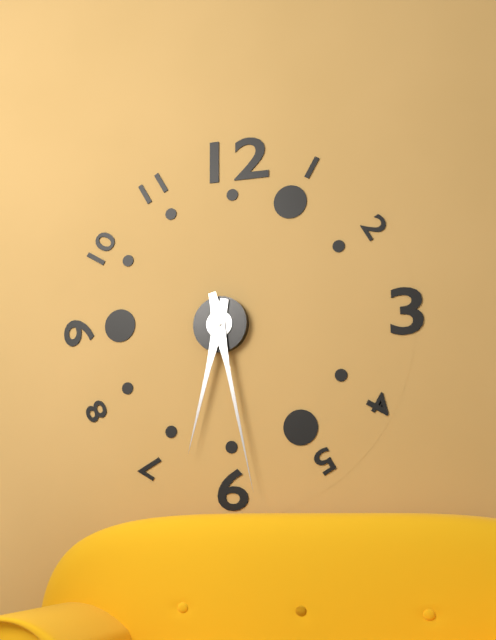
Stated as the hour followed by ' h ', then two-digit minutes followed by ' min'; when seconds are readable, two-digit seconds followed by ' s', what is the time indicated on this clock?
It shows 6 h 28 min
